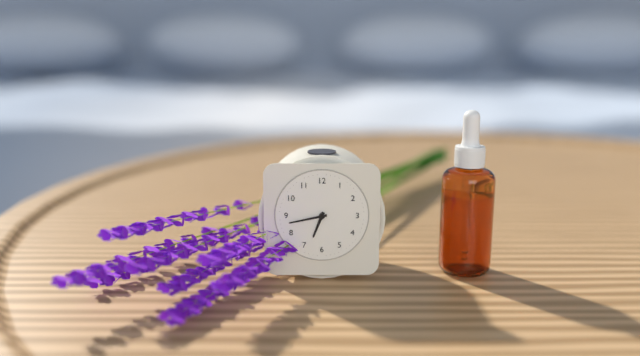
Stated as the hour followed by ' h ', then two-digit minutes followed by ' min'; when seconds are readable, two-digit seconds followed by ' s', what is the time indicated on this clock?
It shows 6 h 43 min
